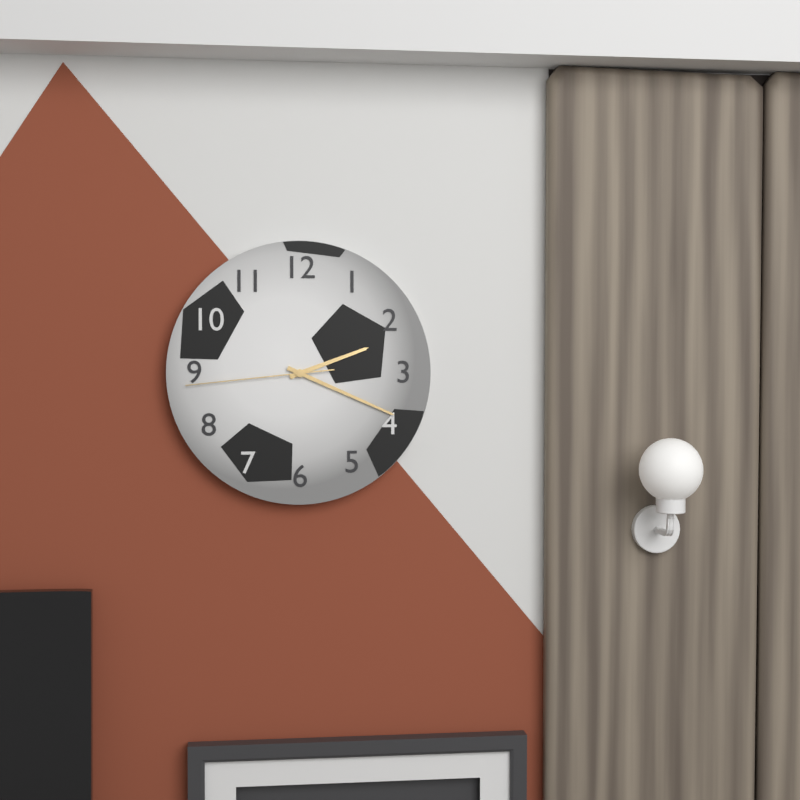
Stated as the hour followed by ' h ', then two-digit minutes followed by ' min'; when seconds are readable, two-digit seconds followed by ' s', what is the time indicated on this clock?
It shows 2 h 19 min 44 s
